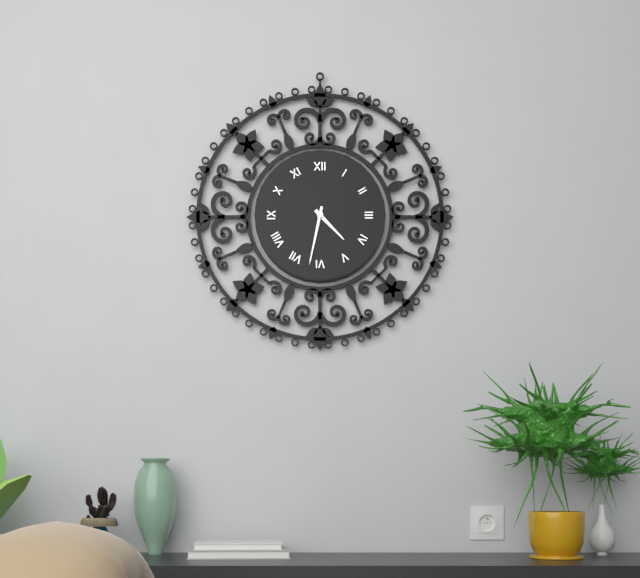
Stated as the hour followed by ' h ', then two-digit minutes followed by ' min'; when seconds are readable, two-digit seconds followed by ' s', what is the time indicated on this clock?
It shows 4 h 32 min
